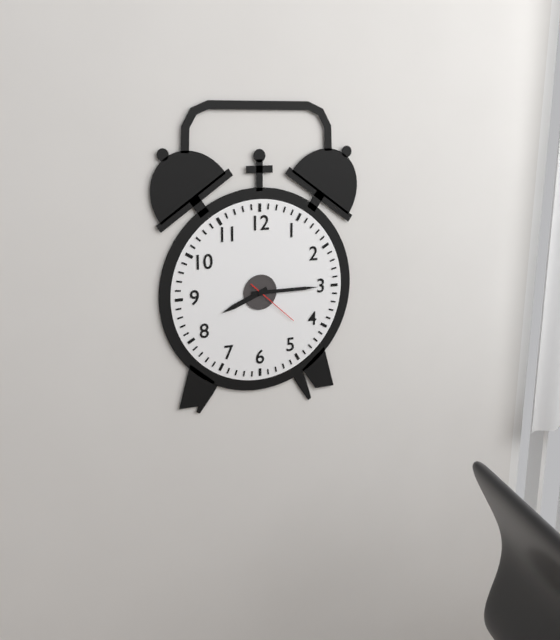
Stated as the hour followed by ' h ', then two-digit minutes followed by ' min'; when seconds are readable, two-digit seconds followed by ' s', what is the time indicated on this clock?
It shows 8 h 15 min 22 s
